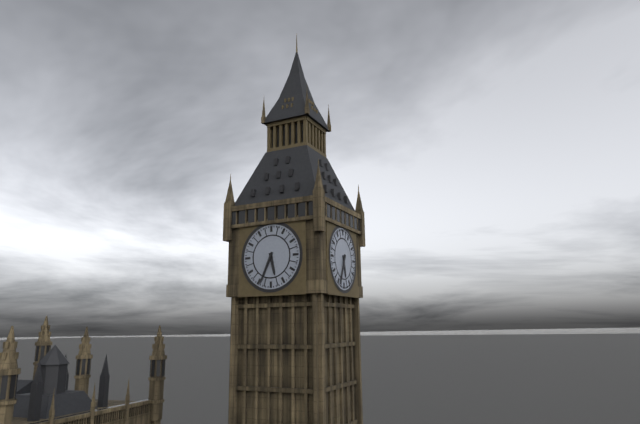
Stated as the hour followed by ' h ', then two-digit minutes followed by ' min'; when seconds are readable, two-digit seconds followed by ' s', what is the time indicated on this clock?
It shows 5 h 34 min
